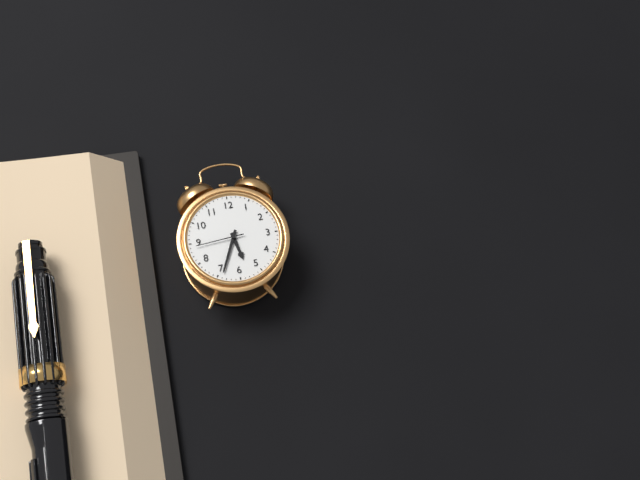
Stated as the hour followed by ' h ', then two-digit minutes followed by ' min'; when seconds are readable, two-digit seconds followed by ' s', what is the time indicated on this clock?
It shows 5 h 34 min
